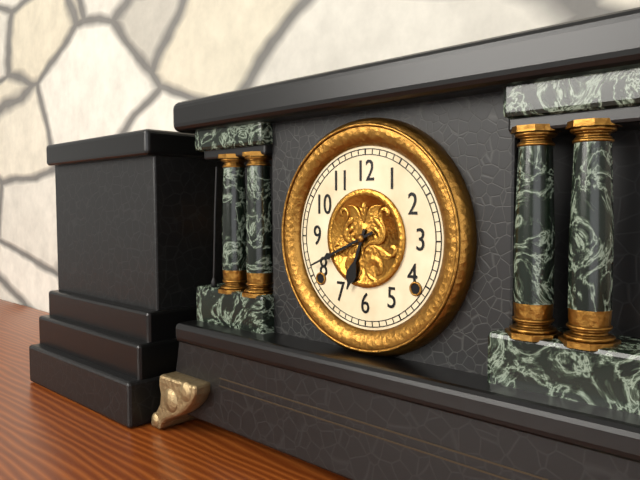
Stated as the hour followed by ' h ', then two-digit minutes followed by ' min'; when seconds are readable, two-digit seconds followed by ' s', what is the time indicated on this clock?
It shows 6 h 41 min
